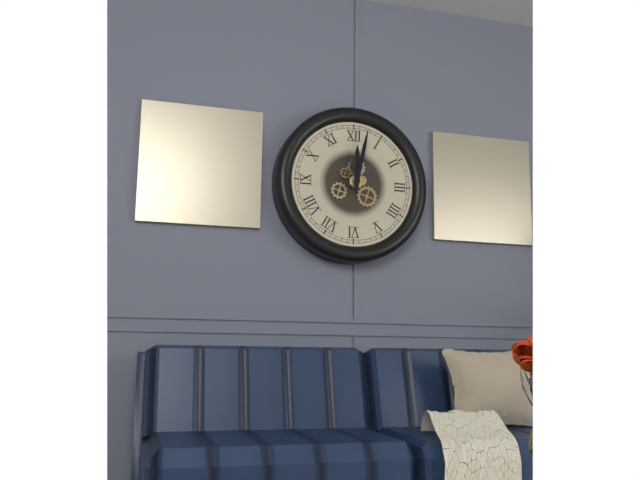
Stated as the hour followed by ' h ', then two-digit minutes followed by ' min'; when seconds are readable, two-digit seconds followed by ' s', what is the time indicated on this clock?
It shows 12 h 02 min
